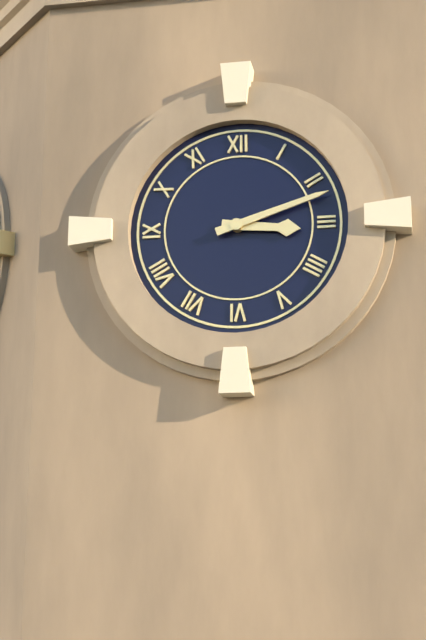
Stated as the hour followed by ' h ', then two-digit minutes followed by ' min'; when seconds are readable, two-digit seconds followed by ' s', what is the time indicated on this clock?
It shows 3 h 12 min
